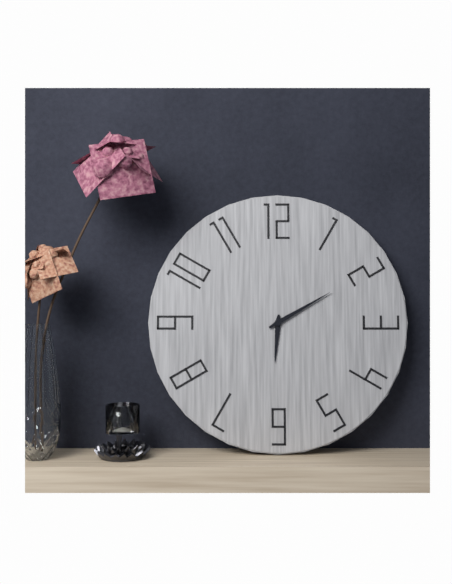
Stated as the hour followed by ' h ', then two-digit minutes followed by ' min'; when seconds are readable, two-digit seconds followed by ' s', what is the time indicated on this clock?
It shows 6 h 10 min
